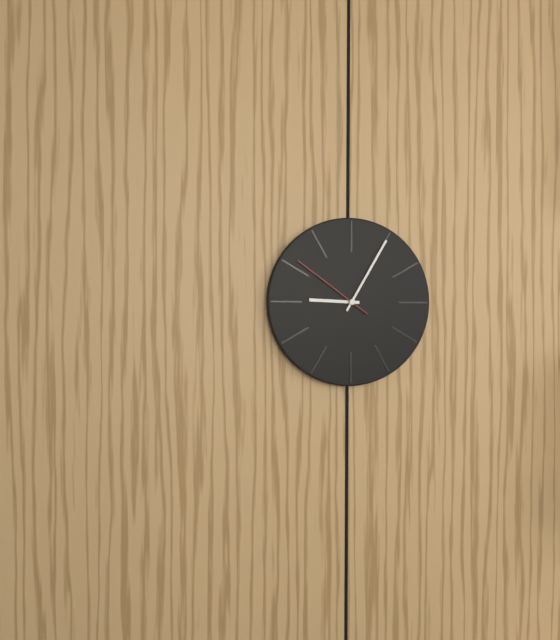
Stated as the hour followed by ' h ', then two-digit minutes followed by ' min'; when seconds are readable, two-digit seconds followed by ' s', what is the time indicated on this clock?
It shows 9 h 05 min 51 s
